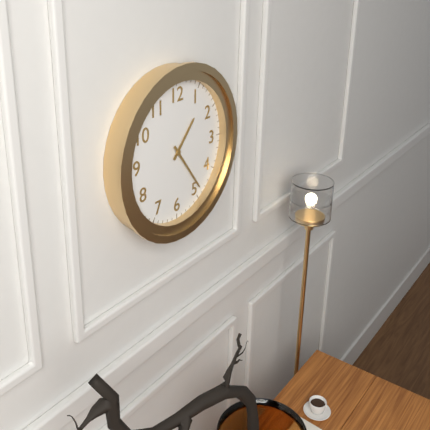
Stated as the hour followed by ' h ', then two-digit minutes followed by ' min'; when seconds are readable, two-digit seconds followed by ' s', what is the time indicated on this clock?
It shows 1 h 24 min
